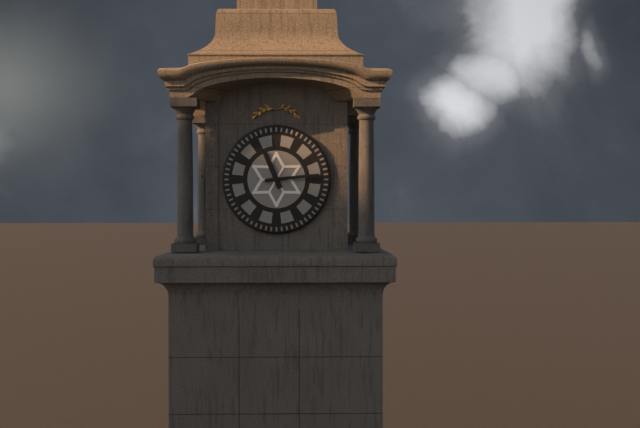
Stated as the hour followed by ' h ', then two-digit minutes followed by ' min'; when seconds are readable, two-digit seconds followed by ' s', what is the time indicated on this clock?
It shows 11 h 14 min
